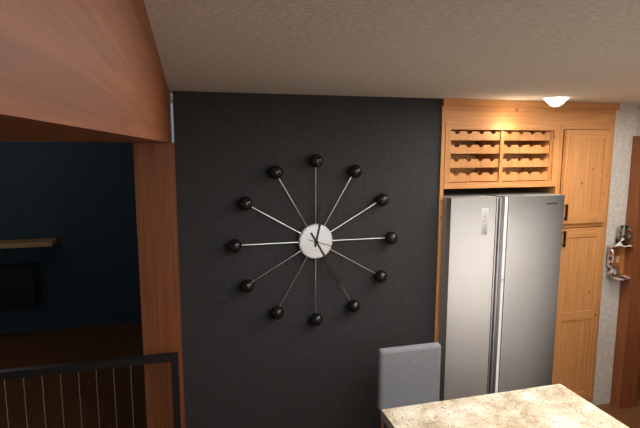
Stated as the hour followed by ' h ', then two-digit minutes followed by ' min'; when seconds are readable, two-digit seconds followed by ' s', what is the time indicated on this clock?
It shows 12 h 25 min 18 s
